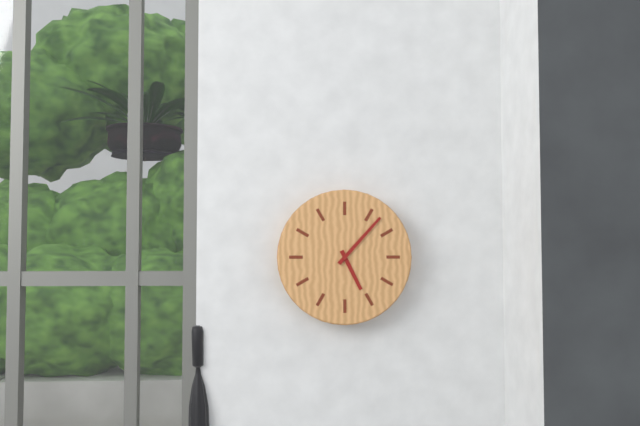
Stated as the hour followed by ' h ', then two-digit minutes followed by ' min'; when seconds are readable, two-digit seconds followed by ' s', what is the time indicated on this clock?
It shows 5 h 07 min
